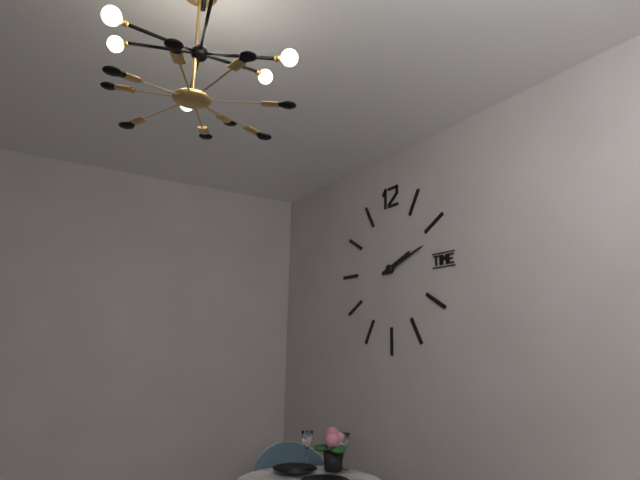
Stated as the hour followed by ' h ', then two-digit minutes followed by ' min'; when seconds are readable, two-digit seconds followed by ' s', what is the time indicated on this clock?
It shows 2 h 12 min
